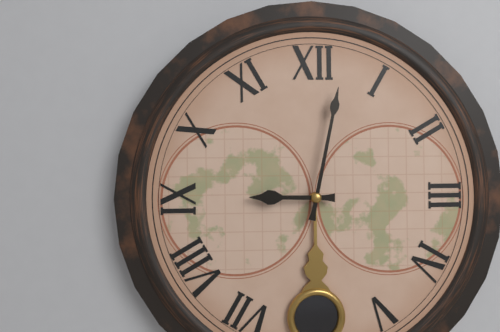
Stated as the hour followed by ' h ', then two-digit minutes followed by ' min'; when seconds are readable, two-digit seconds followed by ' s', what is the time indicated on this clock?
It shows 9 h 02 min
